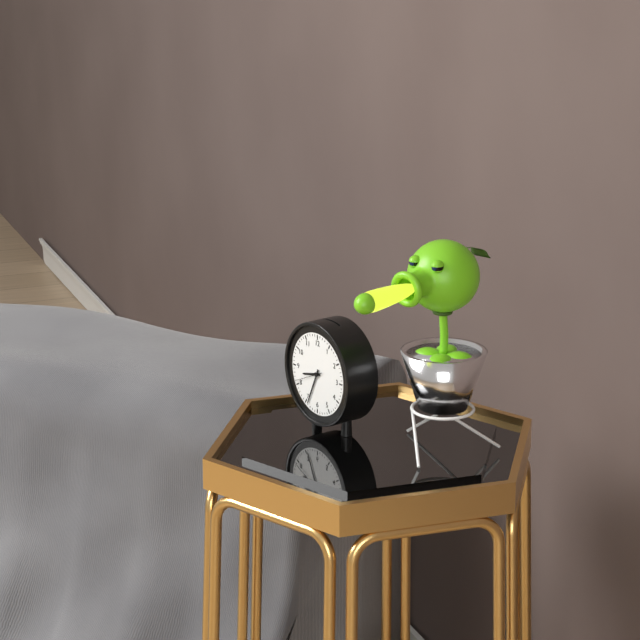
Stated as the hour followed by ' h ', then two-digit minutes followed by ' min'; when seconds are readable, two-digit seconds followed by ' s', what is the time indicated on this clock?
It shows 8 h 34 min
